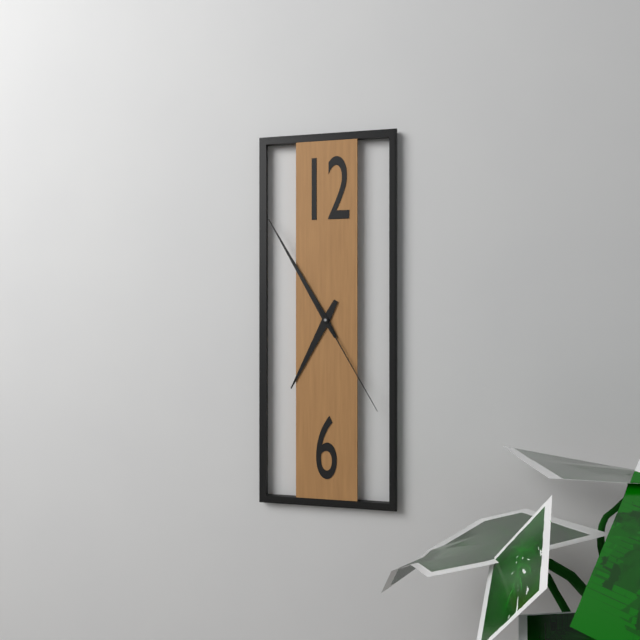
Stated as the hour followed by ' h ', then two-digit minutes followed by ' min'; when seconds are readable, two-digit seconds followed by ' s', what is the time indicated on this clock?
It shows 6 h 55 min 25 s
